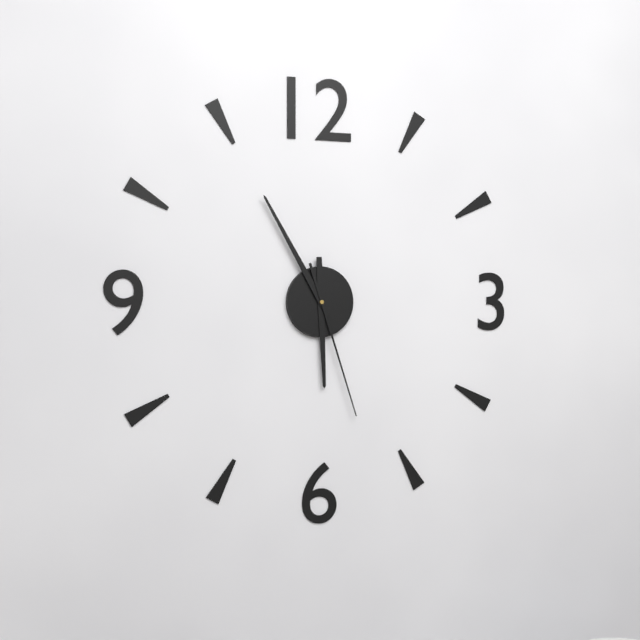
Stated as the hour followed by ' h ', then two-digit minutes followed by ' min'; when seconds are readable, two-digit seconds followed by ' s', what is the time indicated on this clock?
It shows 5 h 55 min 27 s
